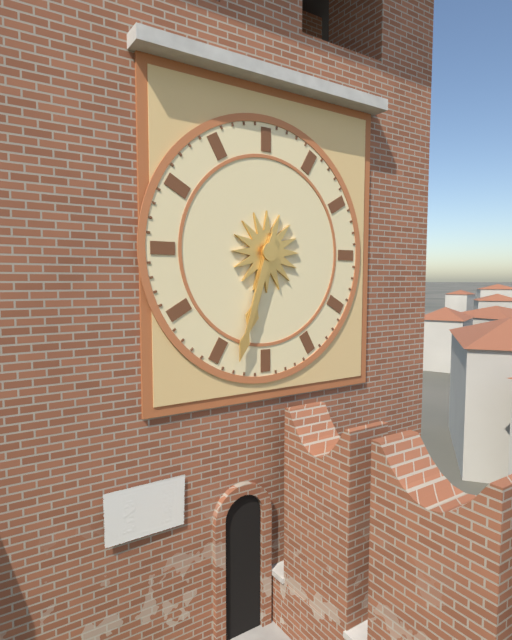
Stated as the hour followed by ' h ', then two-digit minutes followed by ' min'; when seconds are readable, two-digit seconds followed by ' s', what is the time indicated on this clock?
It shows 6 h 33 min
